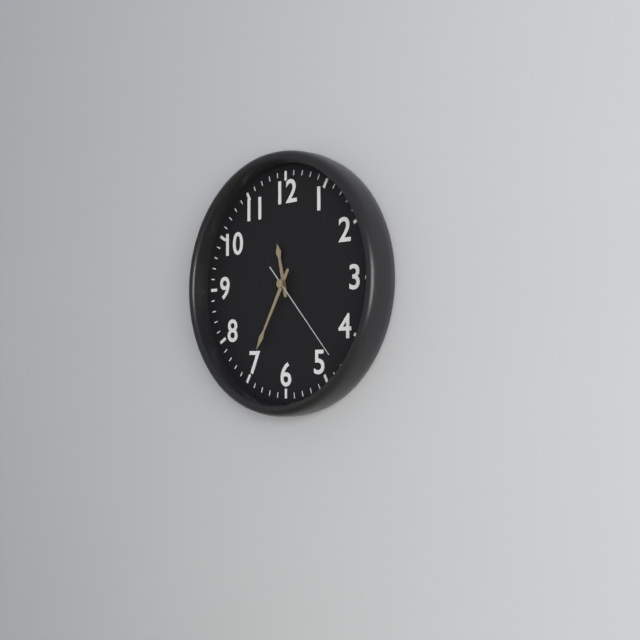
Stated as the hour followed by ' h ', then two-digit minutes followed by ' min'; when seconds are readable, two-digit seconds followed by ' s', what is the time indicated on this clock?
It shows 11 h 35 min 23 s
